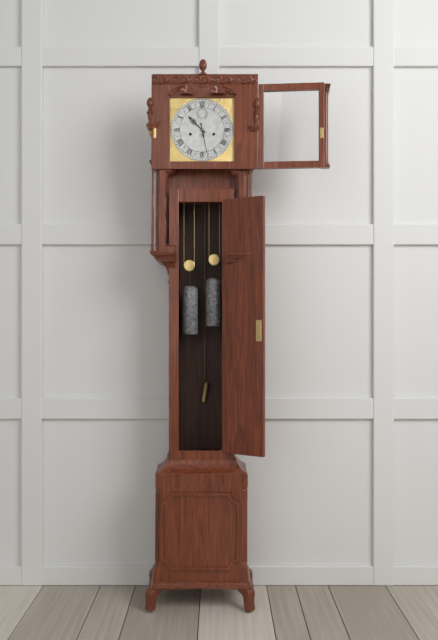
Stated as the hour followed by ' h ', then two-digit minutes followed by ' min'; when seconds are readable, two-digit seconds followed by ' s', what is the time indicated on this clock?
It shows 10 h 28 min
